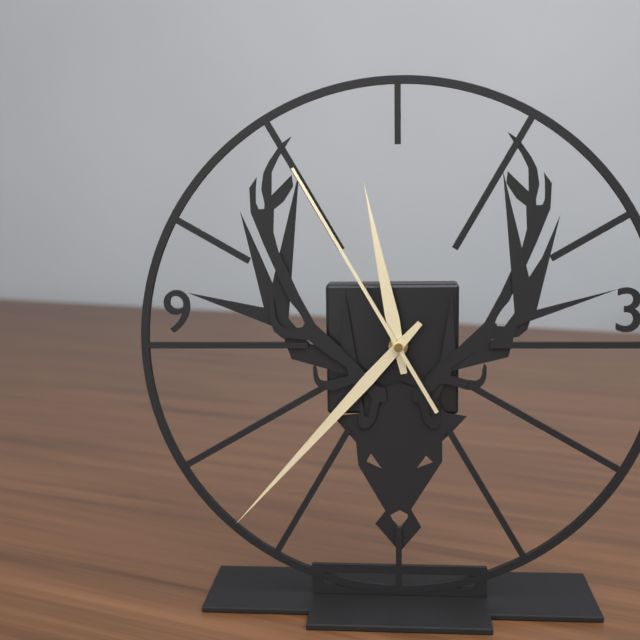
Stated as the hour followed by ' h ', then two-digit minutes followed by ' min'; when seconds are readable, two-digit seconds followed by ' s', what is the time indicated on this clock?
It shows 11 h 37 min 55 s
